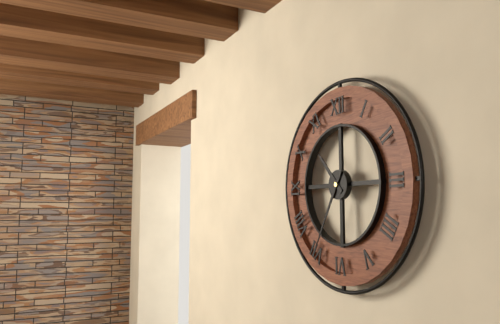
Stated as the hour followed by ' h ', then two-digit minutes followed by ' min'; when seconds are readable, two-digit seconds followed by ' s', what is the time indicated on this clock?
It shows 10 h 35 min
